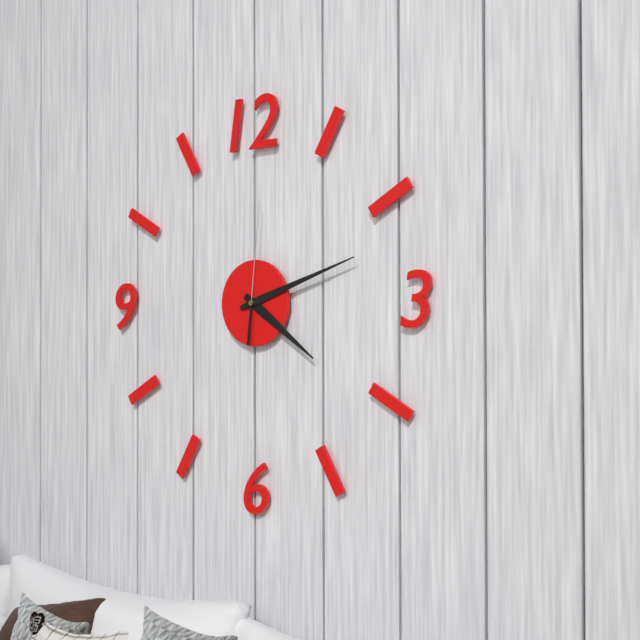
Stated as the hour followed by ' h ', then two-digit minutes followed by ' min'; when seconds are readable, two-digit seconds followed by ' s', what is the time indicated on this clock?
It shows 4 h 12 min 01 s
